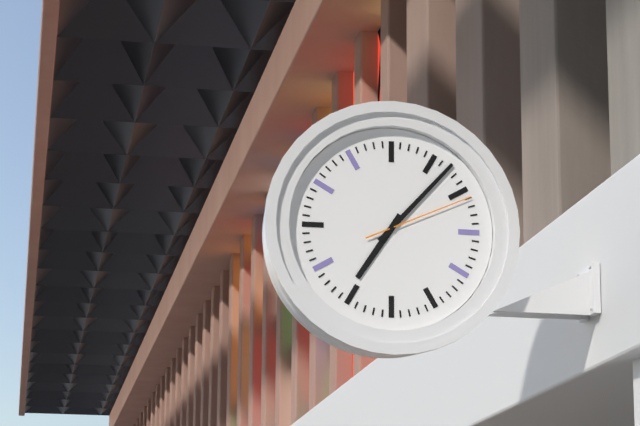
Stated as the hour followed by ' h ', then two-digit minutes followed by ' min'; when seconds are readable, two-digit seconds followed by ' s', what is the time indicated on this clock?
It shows 7 h 07 min 11 s
